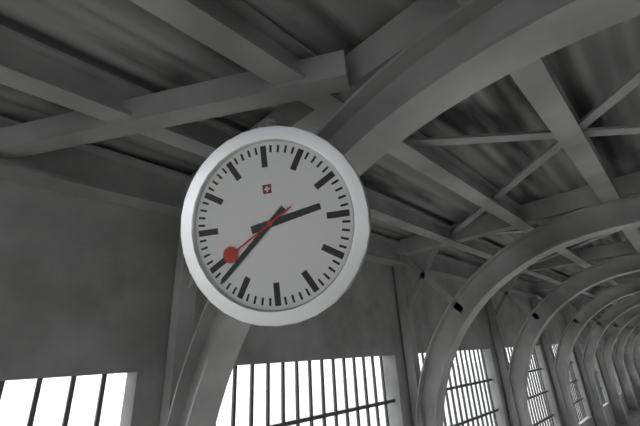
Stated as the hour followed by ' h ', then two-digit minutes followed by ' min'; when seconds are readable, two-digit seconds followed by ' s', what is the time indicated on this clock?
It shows 2 h 38 min 40 s
